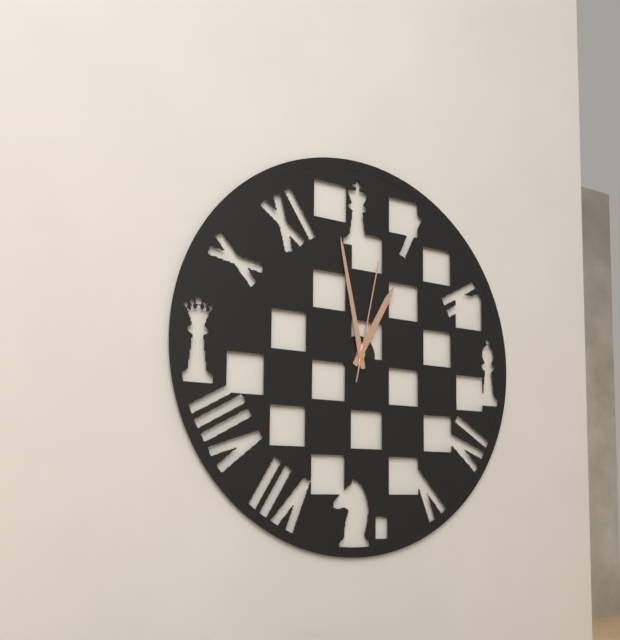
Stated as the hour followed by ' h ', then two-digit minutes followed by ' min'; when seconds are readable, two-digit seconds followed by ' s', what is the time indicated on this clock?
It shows 12 h 58 min 02 s
